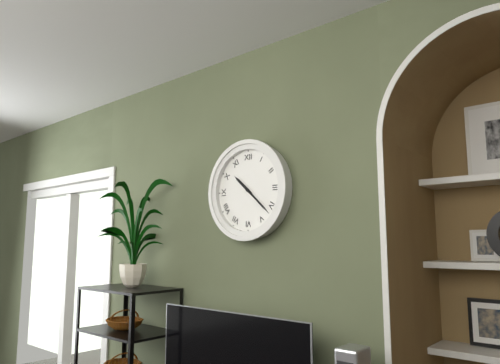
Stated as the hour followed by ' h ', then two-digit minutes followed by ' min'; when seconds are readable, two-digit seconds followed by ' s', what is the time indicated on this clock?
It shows 10 h 22 min
